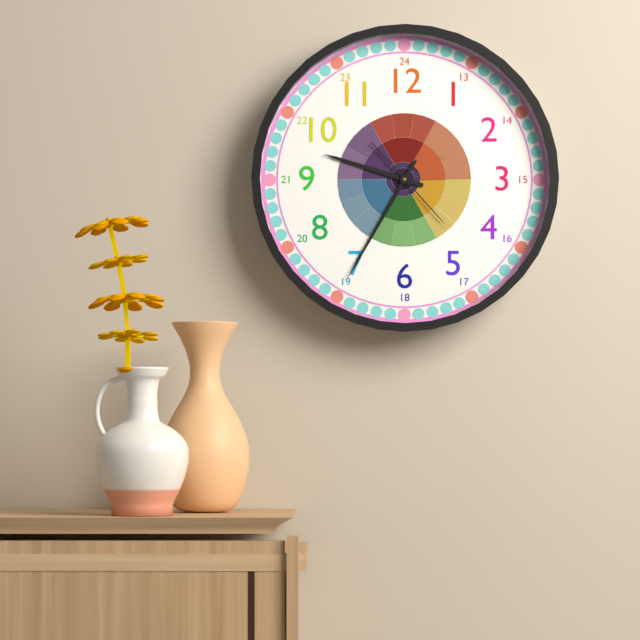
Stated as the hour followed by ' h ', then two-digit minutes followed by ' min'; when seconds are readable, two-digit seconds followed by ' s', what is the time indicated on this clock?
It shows 9 h 35 min 23 s
